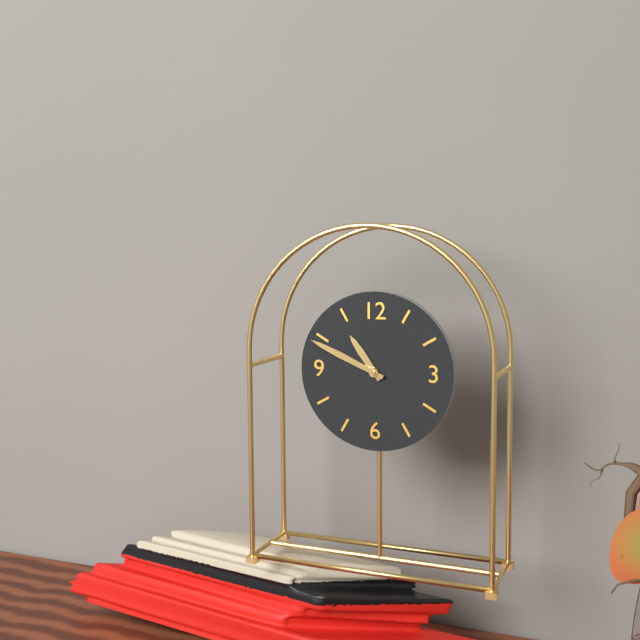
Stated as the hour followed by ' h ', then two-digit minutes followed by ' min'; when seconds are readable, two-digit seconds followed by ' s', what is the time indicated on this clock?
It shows 10 h 49 min
